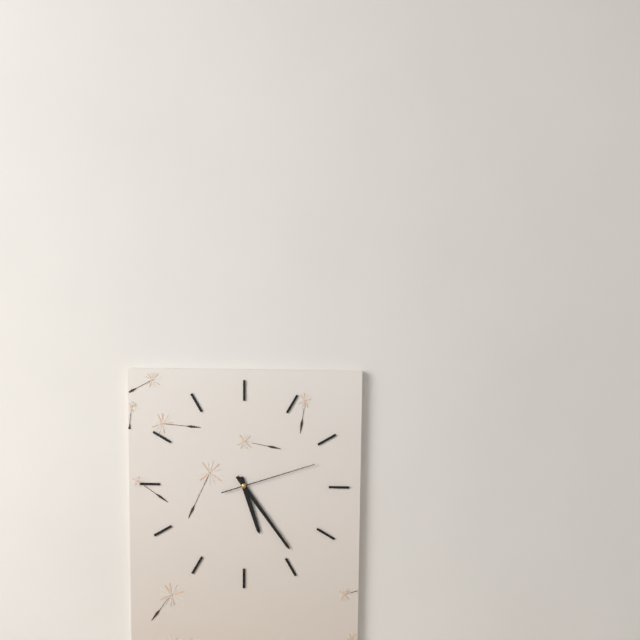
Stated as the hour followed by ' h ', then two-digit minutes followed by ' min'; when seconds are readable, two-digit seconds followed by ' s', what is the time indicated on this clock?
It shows 5 h 24 min 12 s
